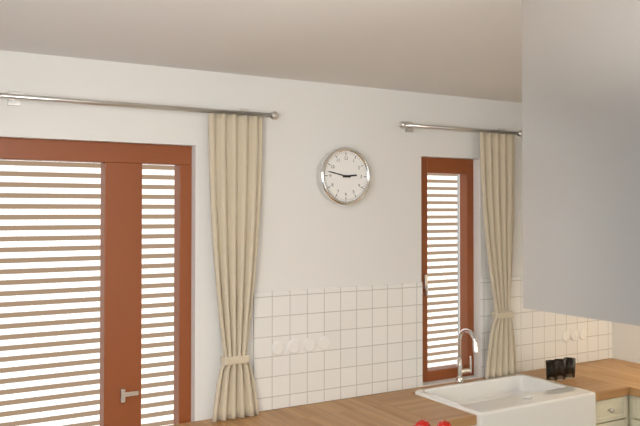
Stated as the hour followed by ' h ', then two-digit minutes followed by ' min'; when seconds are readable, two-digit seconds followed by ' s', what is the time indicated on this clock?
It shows 2 h 47 min
